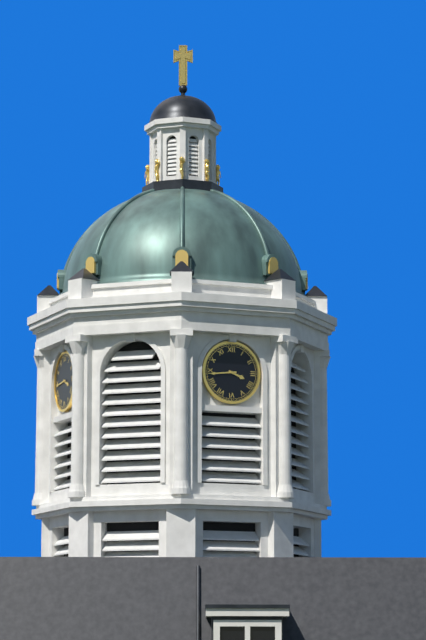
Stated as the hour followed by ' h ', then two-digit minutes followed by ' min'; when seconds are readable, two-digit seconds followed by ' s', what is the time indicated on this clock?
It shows 3 h 44 min
